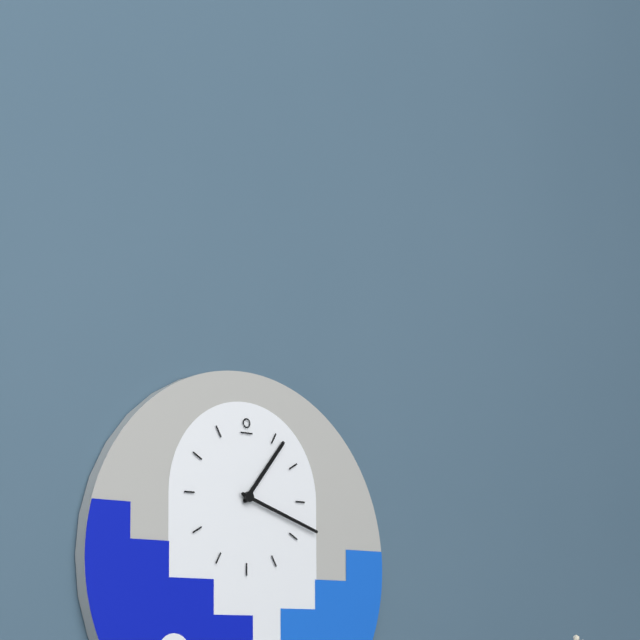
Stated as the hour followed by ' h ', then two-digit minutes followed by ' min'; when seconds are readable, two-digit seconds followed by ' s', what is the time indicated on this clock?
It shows 1 h 18 min
